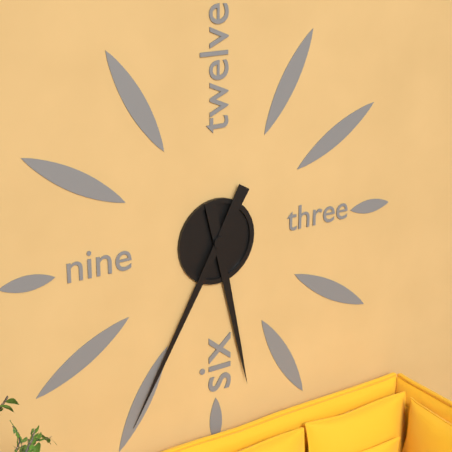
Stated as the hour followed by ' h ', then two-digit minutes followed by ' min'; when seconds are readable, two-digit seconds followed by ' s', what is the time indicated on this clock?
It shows 5 h 35 min
